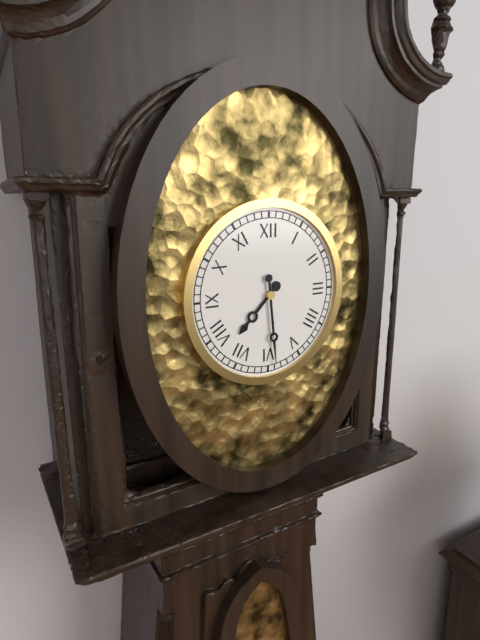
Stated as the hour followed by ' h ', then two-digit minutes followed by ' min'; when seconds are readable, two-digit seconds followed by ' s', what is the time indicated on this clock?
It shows 7 h 29 min
